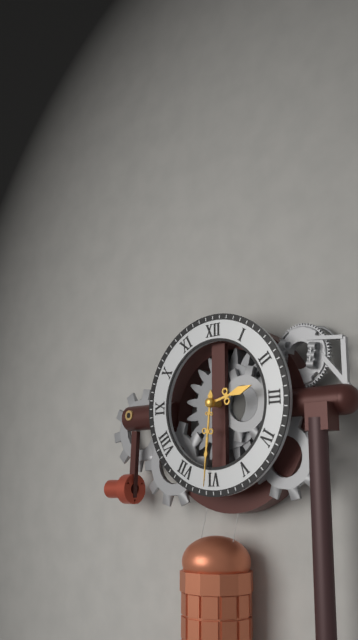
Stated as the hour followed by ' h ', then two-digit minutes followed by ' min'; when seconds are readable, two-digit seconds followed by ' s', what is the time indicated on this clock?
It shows 2 h 31 min
